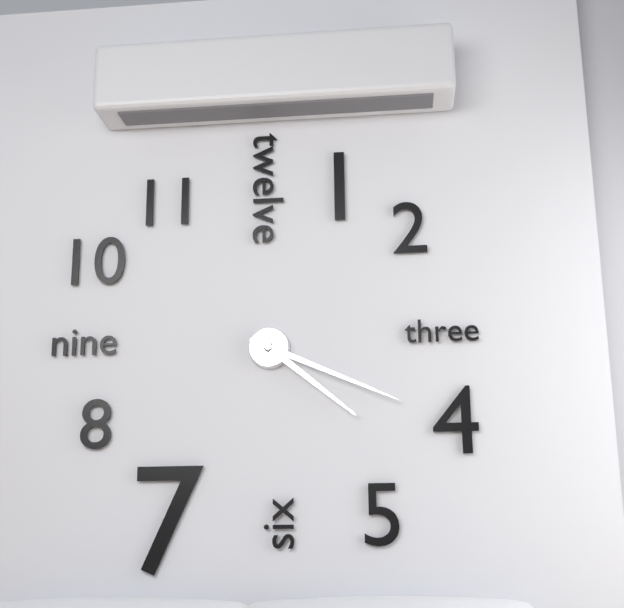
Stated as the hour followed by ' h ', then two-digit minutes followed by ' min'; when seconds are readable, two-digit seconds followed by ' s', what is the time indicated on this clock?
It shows 4 h 19 min
